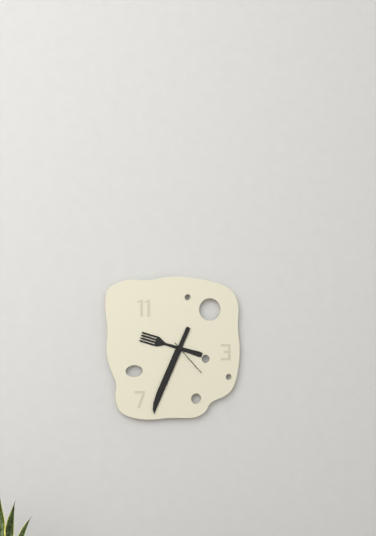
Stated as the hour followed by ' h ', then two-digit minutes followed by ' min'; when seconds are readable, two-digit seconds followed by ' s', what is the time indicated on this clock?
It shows 9 h 34 min
